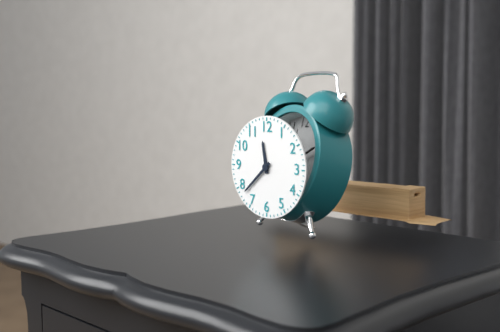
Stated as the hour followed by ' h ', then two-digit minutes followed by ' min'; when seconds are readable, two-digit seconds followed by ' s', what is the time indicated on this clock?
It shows 11 h 38 min
